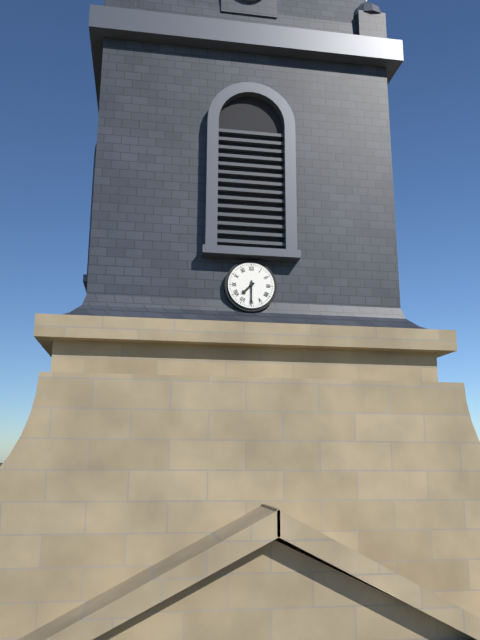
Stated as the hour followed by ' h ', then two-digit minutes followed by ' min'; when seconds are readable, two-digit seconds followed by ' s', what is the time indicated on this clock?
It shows 7 h 30 min
